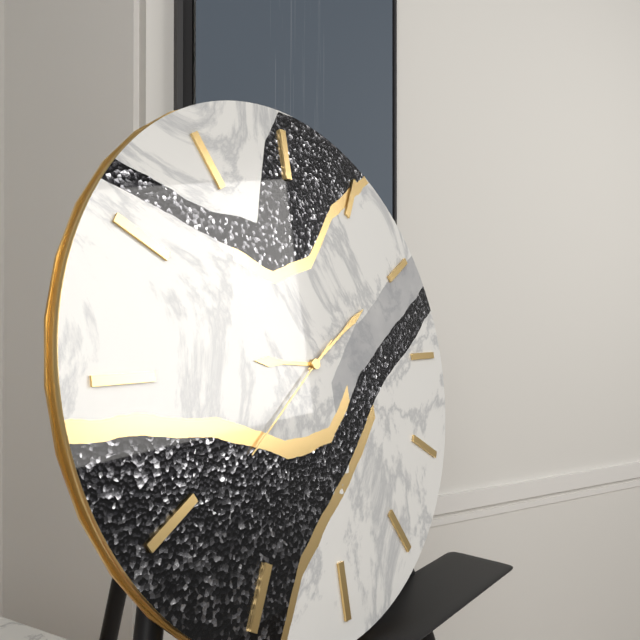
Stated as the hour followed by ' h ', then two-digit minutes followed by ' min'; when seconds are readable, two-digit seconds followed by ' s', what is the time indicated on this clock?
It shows 9 h 10 min 39 s
